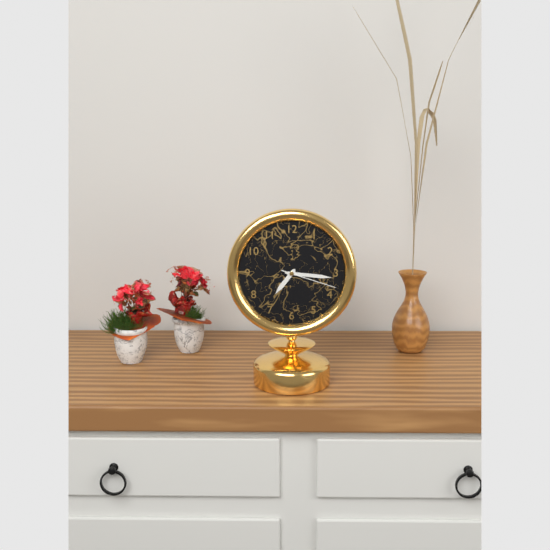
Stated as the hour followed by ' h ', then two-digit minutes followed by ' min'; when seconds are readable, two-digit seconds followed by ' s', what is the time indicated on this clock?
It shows 7 h 16 min 18 s
